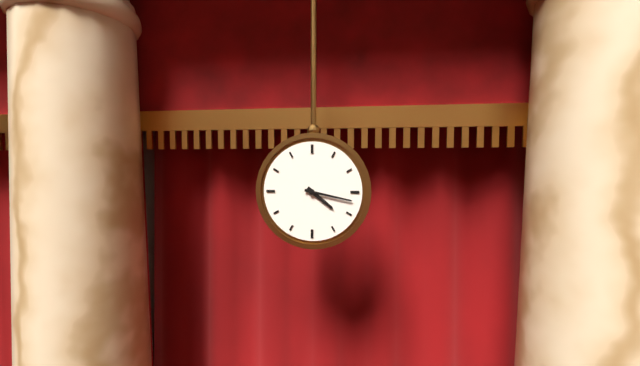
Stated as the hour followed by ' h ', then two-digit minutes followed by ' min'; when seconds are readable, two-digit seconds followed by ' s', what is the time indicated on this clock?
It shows 4 h 17 min
